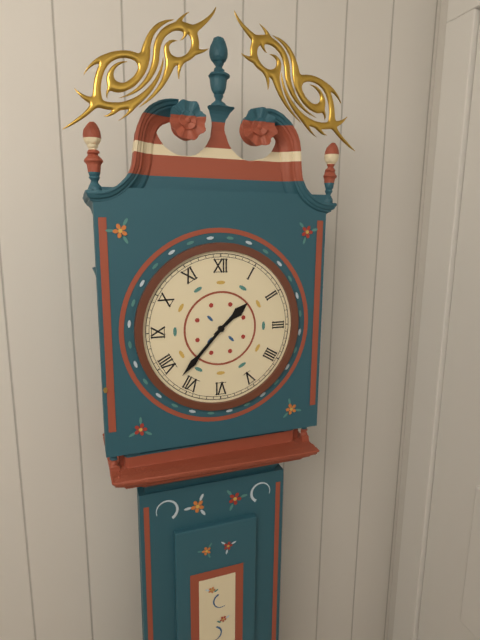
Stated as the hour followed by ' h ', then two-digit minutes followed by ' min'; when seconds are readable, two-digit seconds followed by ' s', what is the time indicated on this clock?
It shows 1 h 37 min
